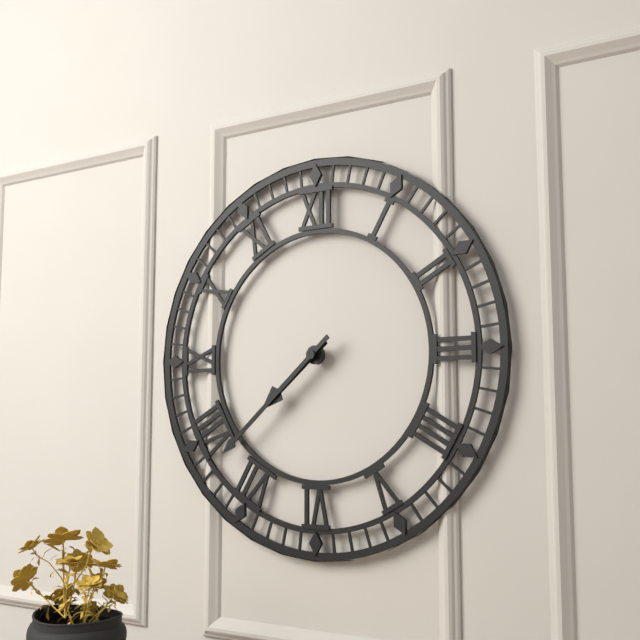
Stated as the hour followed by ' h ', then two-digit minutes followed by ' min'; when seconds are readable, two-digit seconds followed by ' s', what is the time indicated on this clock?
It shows 7 h 38 min
